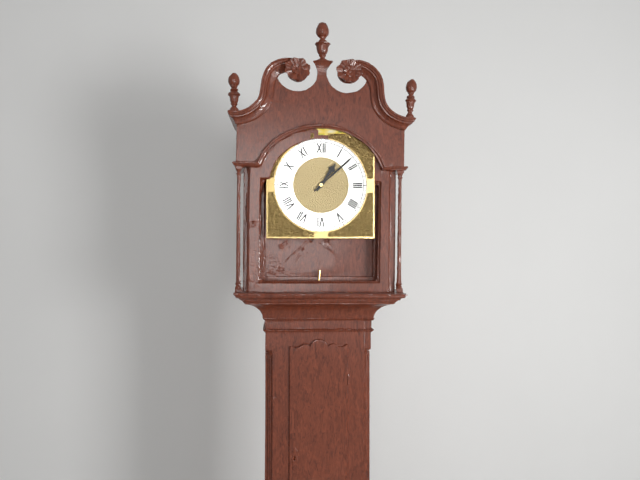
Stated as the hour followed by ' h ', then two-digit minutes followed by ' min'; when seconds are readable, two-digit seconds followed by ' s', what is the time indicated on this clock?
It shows 1 h 08 min
